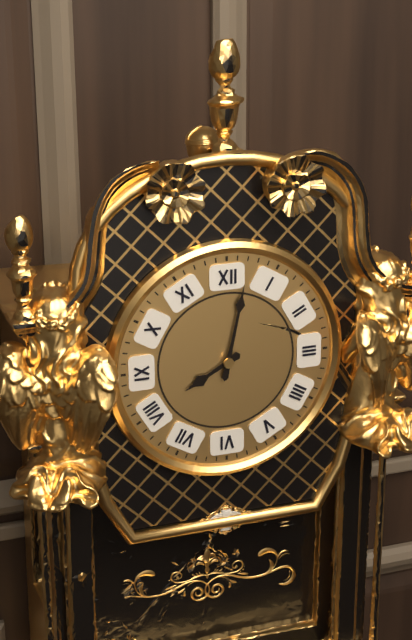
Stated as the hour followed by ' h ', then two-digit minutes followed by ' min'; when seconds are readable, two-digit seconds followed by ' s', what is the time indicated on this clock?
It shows 8 h 02 min
